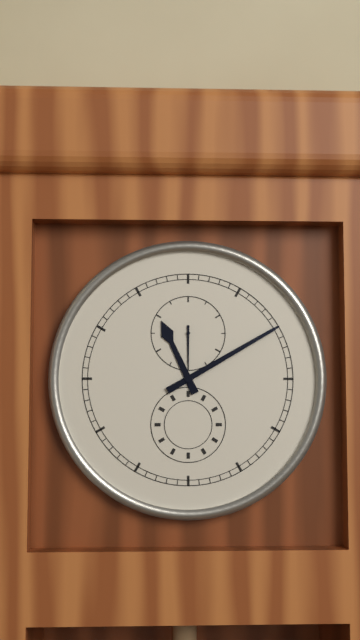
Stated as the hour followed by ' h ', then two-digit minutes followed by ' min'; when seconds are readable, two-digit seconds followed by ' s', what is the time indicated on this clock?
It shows 11 h 10 min
